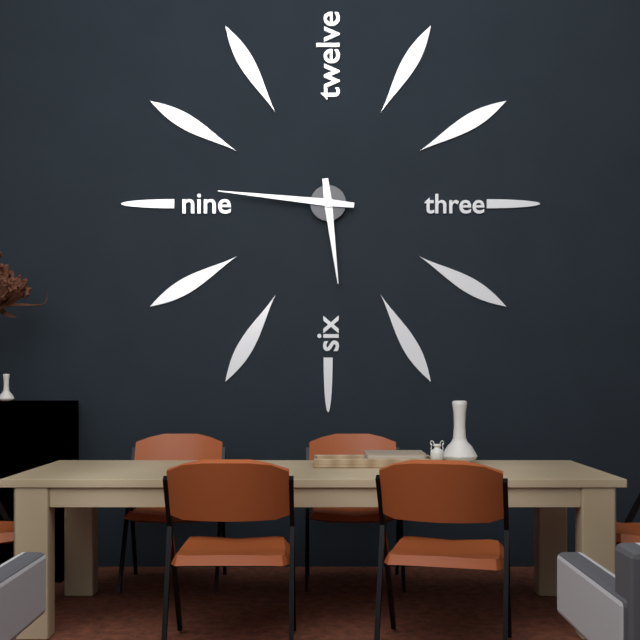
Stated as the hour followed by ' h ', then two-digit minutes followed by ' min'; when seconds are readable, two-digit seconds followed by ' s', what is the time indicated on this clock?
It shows 5 h 46 min
